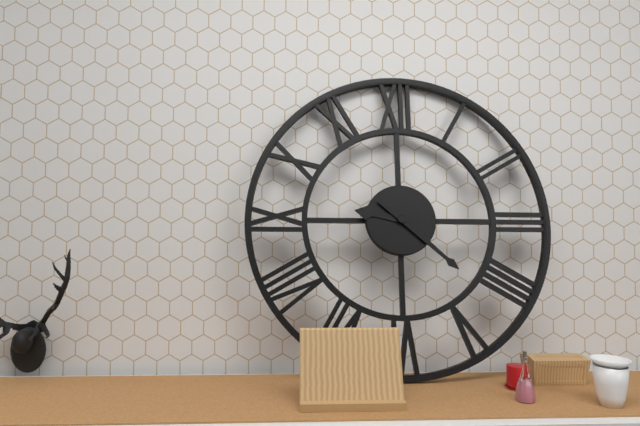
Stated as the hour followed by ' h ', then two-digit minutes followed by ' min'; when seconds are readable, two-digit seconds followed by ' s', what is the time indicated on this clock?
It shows 9 h 22 min
